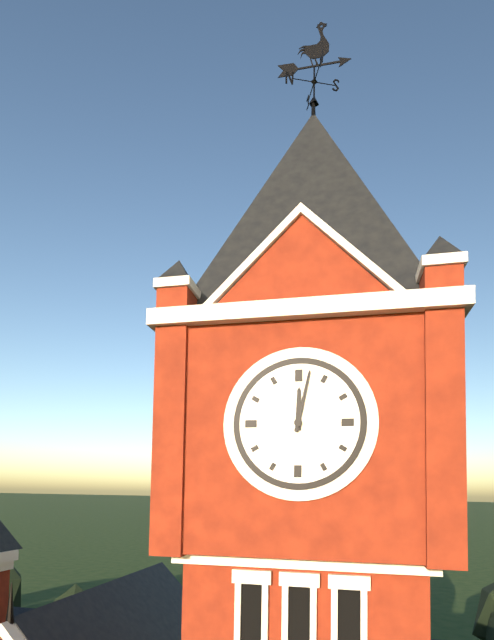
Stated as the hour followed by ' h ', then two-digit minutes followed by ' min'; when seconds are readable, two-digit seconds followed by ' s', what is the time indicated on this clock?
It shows 12 h 02 min
